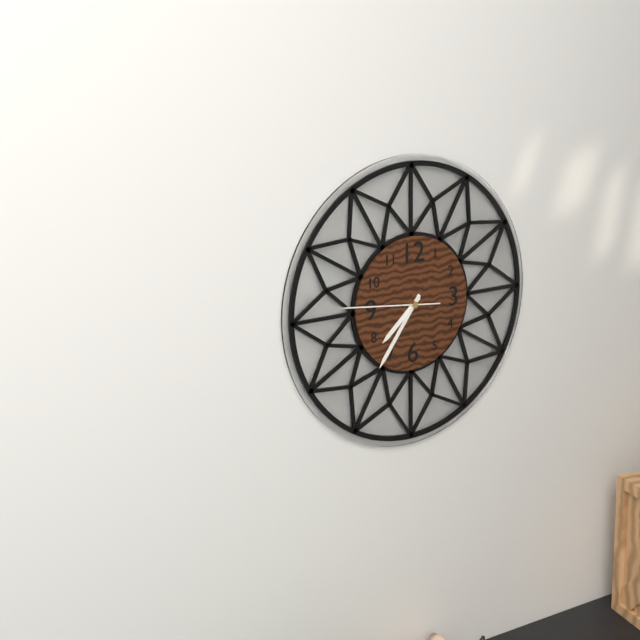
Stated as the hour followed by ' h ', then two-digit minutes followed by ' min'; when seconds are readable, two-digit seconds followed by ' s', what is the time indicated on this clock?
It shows 7 h 36 min 46 s
